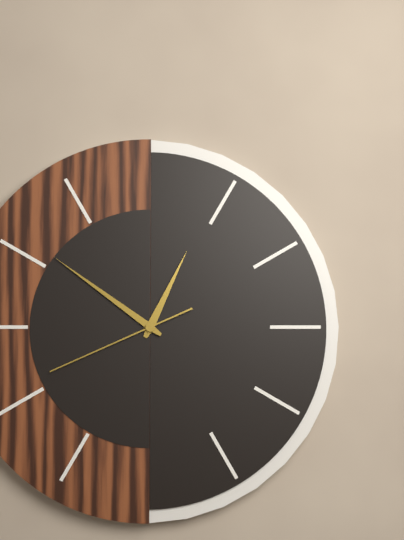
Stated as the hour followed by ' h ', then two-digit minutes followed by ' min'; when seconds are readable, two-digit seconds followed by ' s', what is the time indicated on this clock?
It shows 12 h 51 min 41 s
